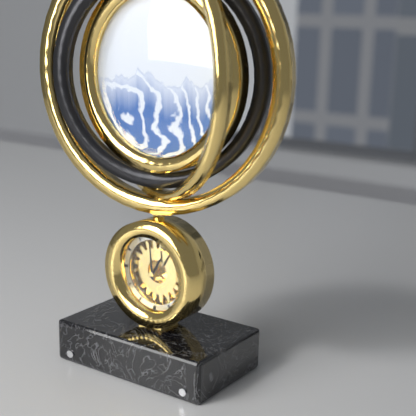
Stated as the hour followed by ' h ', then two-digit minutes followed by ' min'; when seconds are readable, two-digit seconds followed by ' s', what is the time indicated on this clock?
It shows 12 h 59 min
